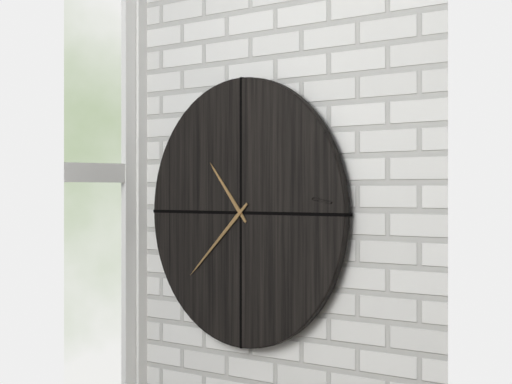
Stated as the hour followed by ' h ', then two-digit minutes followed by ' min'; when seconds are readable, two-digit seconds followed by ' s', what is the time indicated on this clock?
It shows 10 h 38 min
